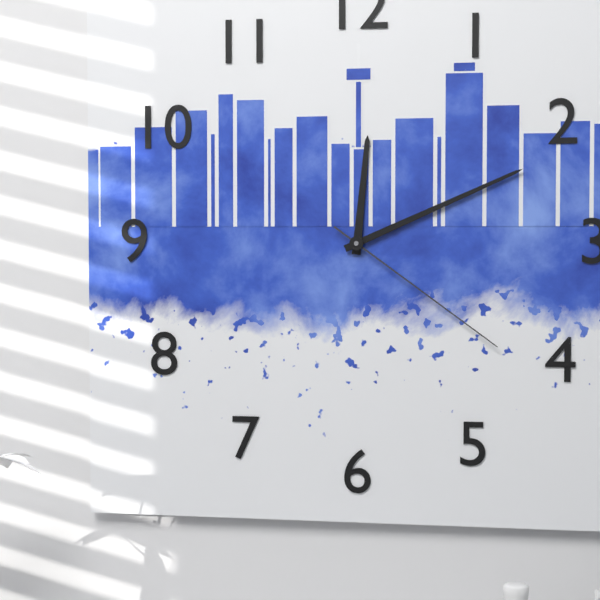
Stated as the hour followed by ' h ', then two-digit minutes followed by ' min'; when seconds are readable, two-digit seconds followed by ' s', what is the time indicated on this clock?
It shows 12 h 11 min 21 s
